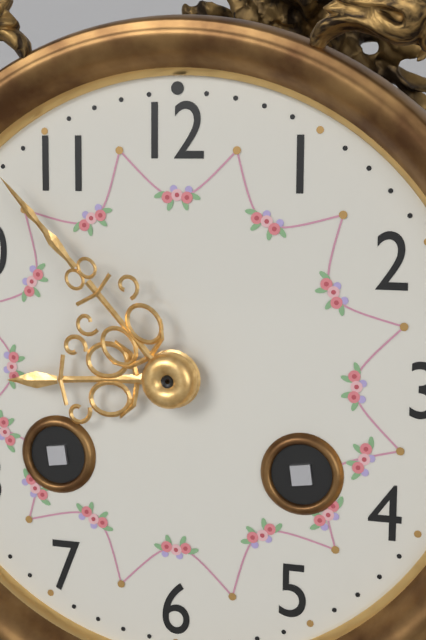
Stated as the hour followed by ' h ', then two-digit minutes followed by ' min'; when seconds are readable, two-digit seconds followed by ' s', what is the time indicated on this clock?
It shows 8 h 53 min
